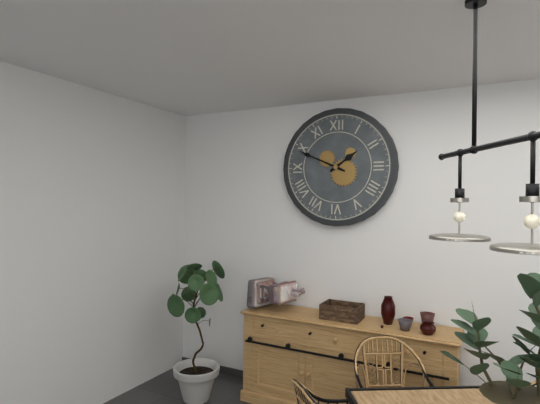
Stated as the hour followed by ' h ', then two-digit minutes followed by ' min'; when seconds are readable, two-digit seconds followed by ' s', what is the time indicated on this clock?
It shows 1 h 49 min
